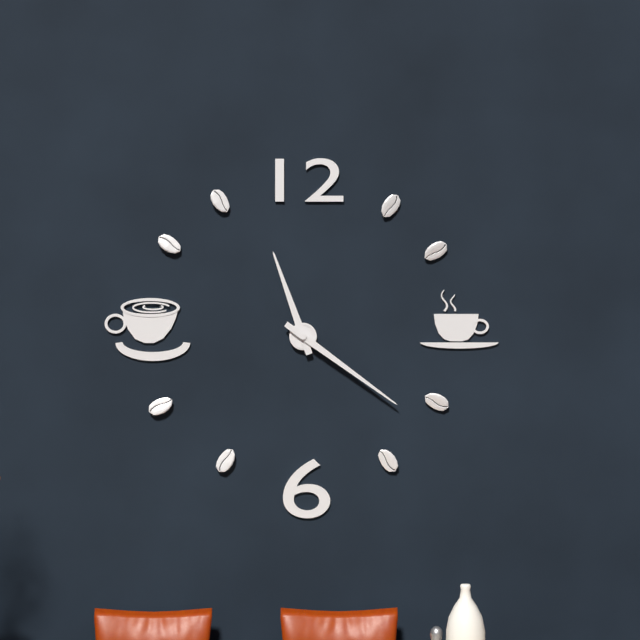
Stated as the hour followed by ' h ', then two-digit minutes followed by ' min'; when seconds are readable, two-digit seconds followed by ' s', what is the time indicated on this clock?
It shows 11 h 21 min
